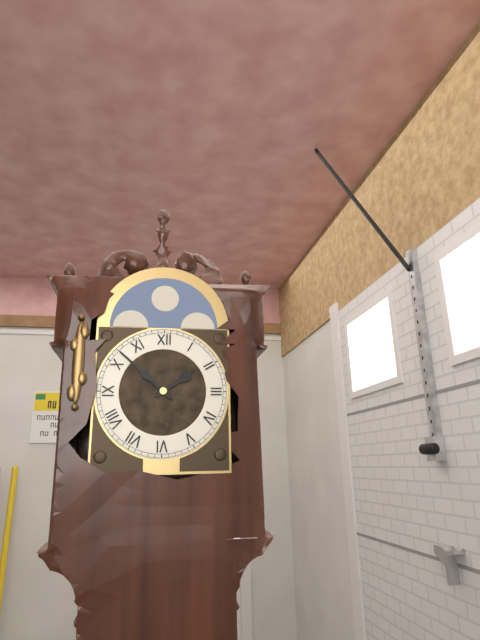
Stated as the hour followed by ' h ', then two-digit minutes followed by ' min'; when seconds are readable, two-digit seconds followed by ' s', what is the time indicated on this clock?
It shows 1 h 52 min
